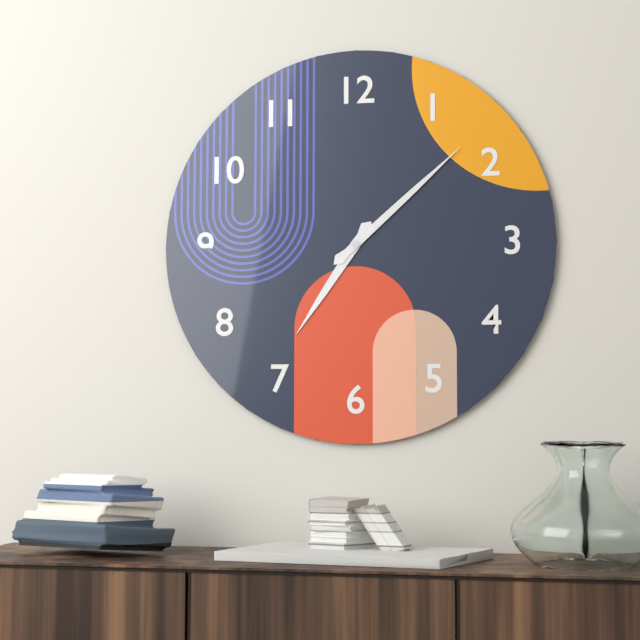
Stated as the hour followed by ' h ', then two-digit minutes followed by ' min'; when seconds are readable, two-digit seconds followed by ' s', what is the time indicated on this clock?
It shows 7 h 08 min
